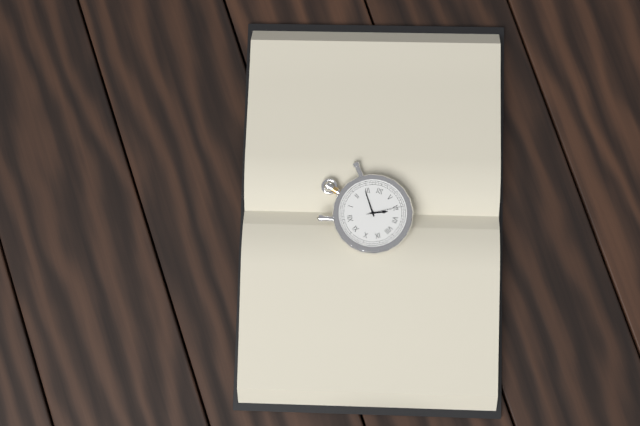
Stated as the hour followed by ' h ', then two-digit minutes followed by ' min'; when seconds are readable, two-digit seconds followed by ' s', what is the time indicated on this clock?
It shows 6 h 14 min
